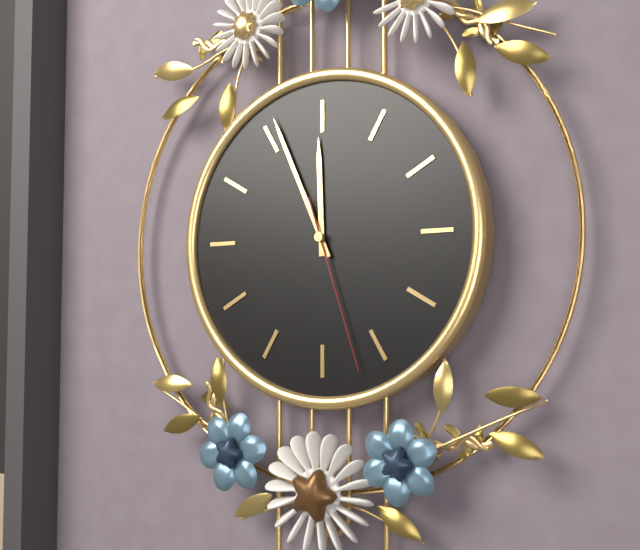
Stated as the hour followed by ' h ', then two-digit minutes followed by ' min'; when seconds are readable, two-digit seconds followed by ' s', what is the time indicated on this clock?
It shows 11 h 56 min 27 s
